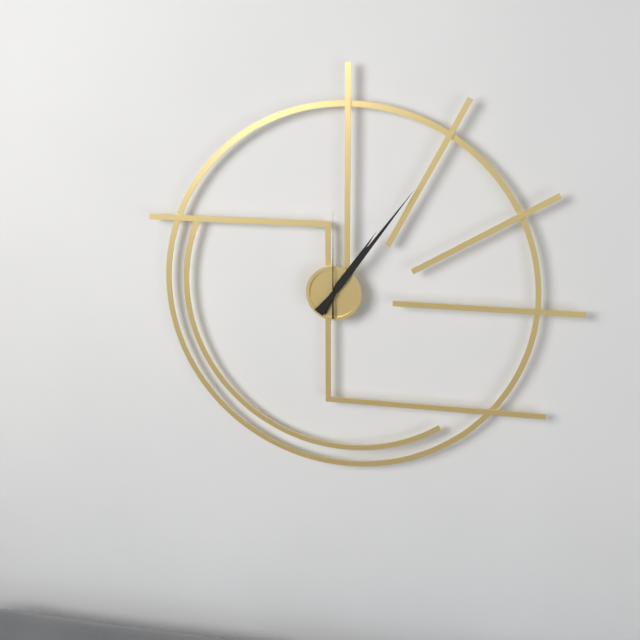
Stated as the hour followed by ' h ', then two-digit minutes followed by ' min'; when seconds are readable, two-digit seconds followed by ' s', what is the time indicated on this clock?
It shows 1 h 06 min 00 s
